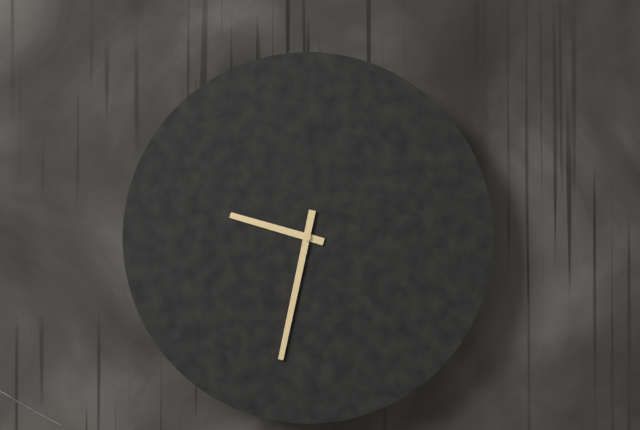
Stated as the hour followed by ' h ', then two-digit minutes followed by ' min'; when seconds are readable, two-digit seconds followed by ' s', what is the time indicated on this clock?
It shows 9 h 32 min
